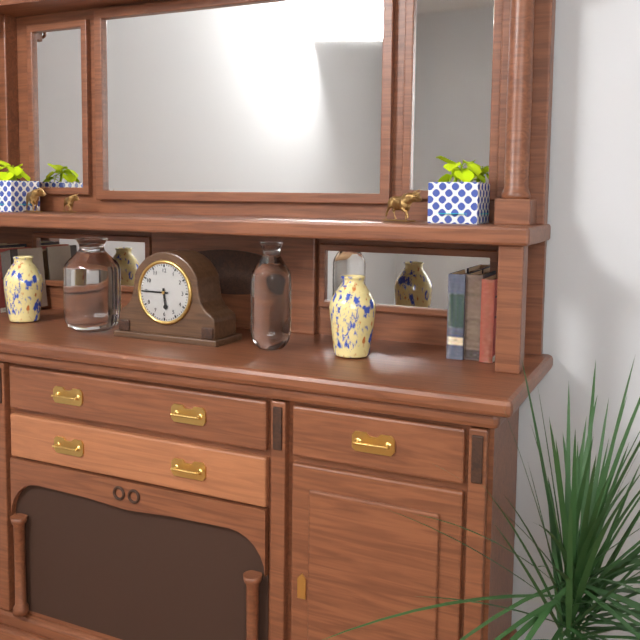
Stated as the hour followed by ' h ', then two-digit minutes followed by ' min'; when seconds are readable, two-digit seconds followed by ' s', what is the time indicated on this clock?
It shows 5 h 45 min
